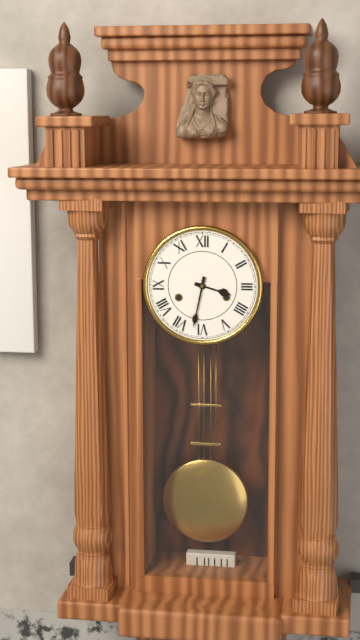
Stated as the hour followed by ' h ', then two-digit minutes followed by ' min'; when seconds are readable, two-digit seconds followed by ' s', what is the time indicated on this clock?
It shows 3 h 32 min
